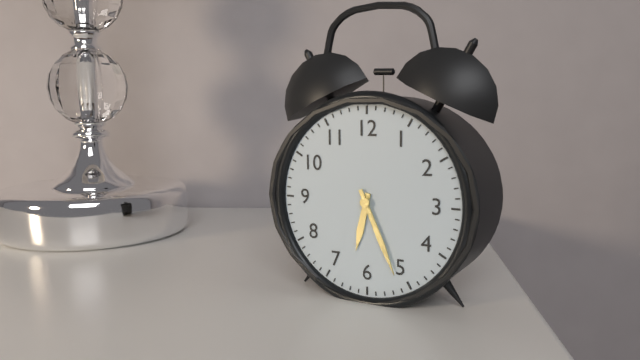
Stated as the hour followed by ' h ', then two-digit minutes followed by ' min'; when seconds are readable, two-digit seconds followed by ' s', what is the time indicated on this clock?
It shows 6 h 26 min
